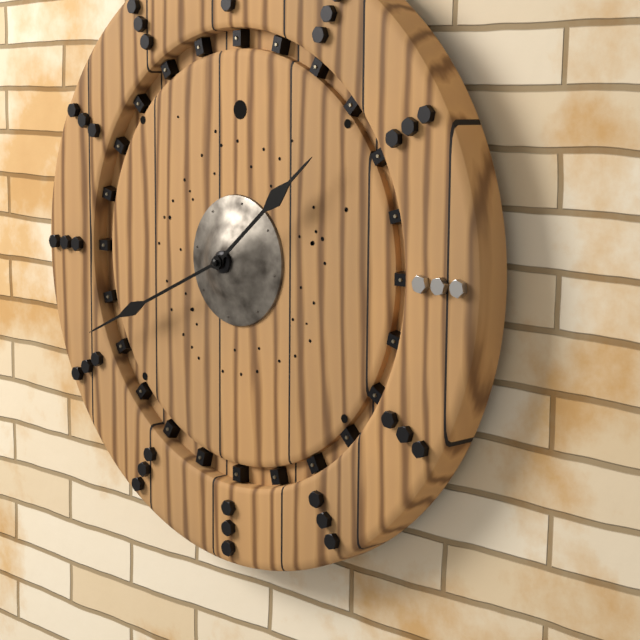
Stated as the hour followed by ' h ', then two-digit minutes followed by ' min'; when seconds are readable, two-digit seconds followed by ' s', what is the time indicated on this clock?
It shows 1 h 41 min
